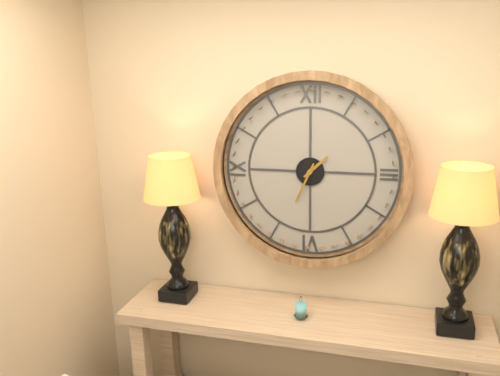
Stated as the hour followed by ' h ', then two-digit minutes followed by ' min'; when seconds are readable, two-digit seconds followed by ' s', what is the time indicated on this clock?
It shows 1 h 34 min
